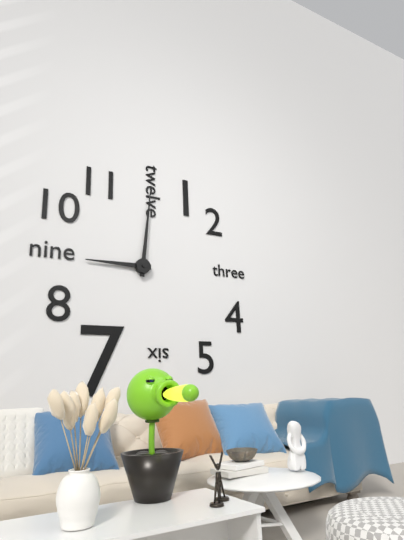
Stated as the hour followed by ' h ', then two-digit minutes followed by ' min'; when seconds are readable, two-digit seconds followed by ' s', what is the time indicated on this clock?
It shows 9 h 01 min
